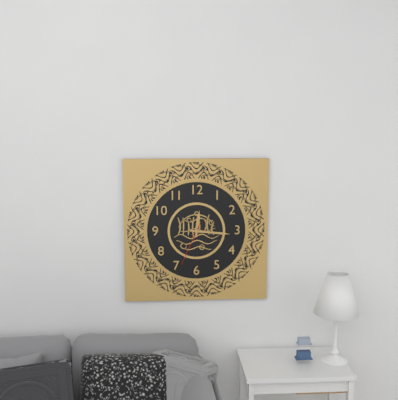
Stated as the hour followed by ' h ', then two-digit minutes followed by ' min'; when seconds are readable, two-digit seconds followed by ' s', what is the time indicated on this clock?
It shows 12 h 16 min
